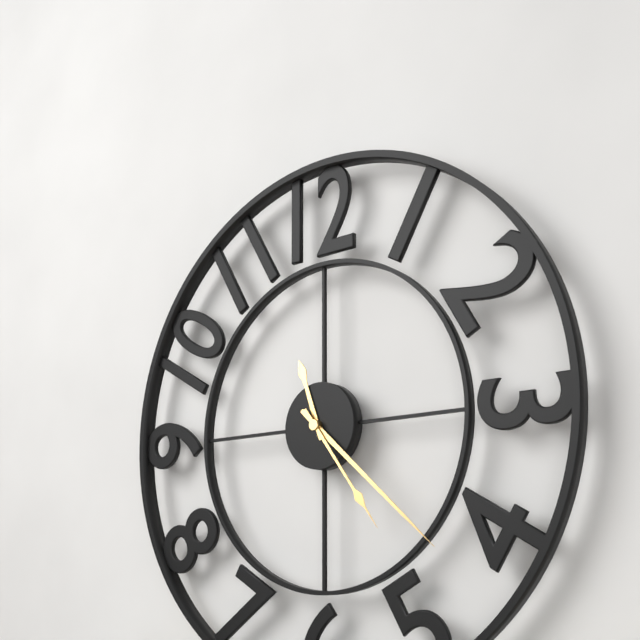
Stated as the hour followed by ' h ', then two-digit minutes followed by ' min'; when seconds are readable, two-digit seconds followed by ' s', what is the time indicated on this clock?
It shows 11 h 22 min 24 s
